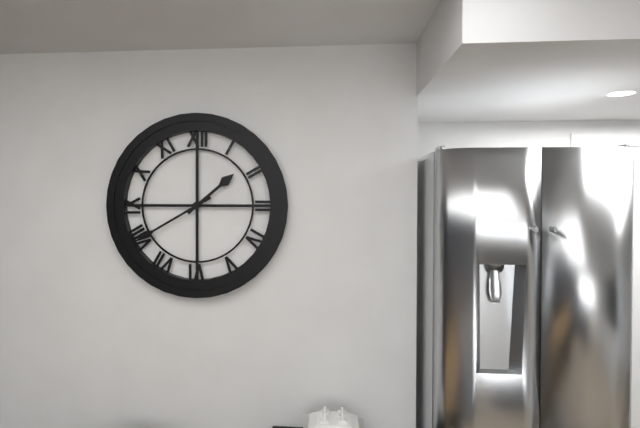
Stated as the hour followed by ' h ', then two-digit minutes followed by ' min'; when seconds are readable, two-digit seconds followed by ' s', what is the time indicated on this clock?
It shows 1 h 40 min
